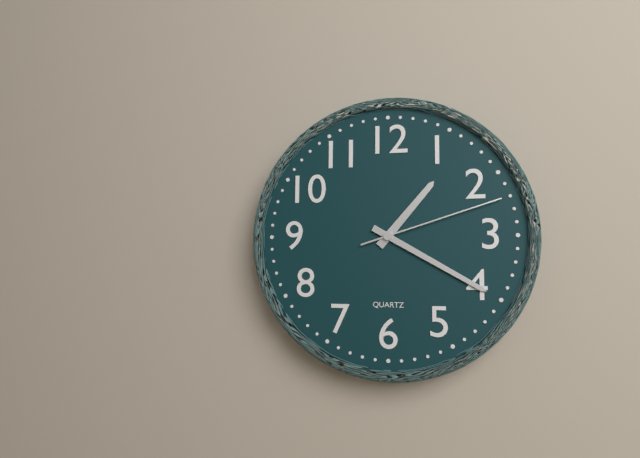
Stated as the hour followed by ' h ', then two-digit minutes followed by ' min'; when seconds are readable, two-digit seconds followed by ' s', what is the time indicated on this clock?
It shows 1 h 20 min 12 s
